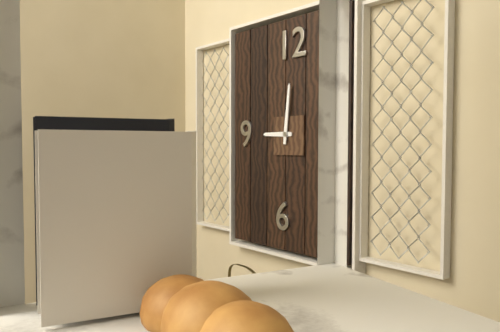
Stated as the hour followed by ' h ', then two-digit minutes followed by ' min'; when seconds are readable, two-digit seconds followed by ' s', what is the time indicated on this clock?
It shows 9 h 01 min
